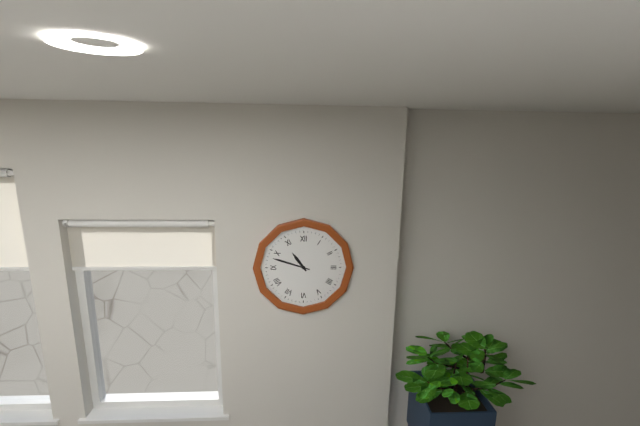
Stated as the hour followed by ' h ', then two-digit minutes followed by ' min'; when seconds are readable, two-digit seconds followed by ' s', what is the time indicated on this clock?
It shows 10 h 48 min
